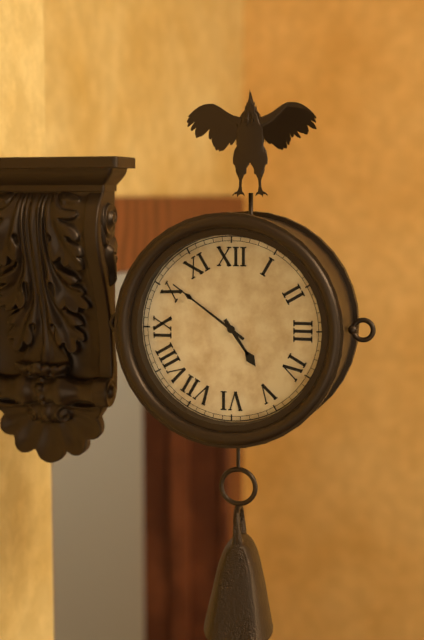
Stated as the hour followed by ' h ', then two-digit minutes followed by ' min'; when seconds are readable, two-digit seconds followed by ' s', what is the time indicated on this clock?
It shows 4 h 51 min
